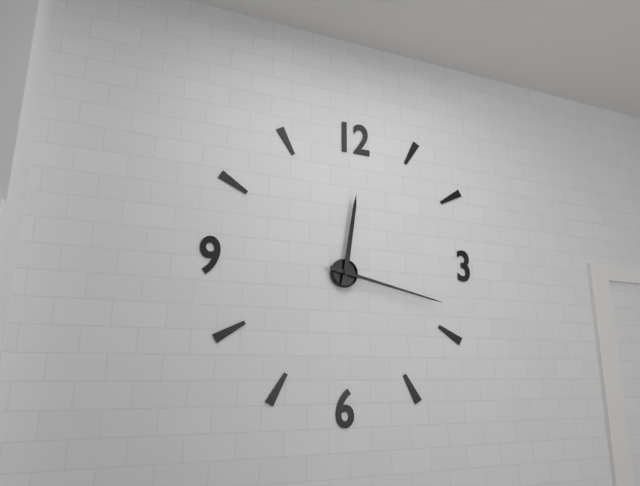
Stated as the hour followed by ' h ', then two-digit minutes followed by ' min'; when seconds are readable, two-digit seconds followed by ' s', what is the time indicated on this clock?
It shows 12 h 17 min
